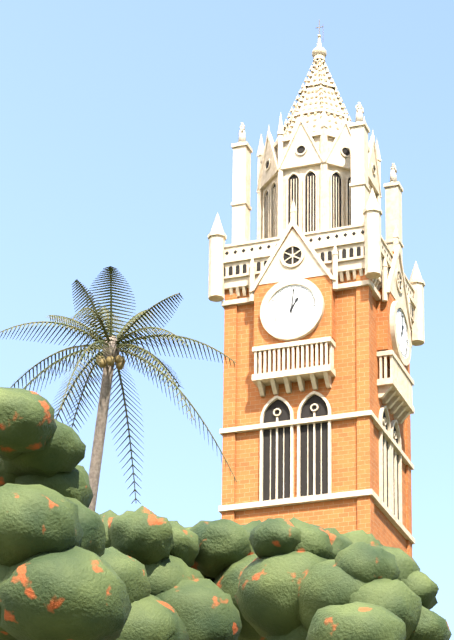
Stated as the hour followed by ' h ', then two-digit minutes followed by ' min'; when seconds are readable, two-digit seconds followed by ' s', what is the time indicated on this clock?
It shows 1 h 01 min
